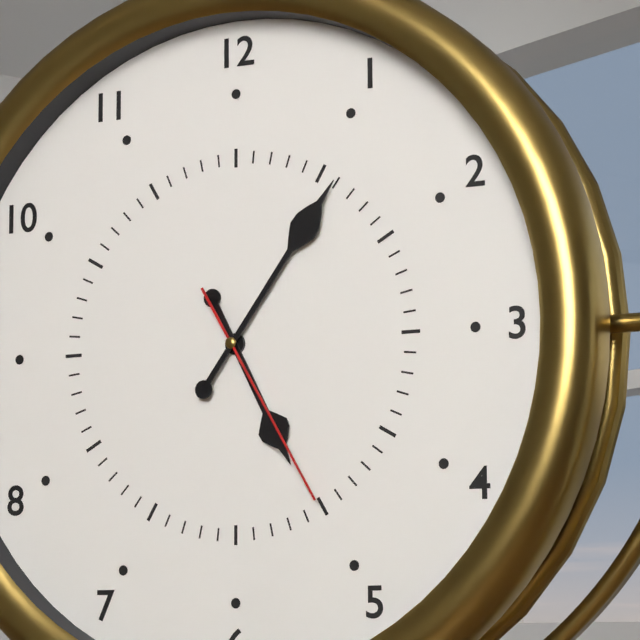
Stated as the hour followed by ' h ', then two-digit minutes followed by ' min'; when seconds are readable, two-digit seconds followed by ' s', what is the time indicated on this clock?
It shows 5 h 06 min 25 s
